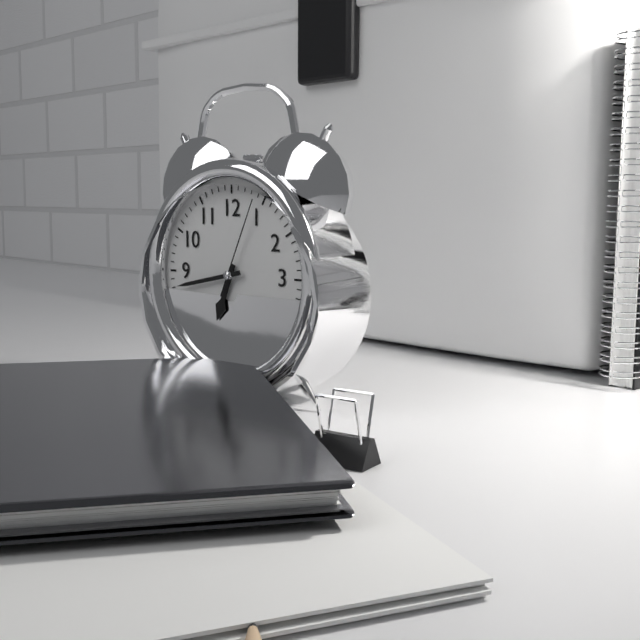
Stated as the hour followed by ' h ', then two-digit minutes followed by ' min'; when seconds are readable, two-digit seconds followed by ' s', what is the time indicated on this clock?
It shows 6 h 43 min 04 s
